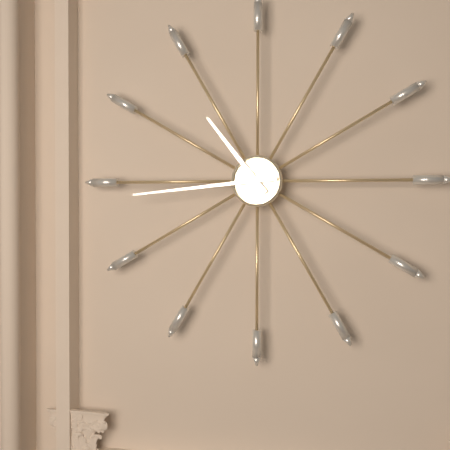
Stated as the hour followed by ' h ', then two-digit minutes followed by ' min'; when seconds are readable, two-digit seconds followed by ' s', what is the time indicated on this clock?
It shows 10 h 44 min
